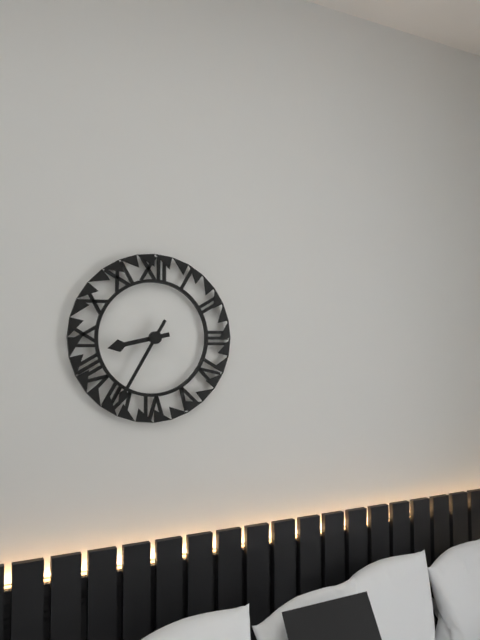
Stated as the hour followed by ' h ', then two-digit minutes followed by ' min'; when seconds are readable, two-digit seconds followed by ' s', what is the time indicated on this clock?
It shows 8 h 35 min
